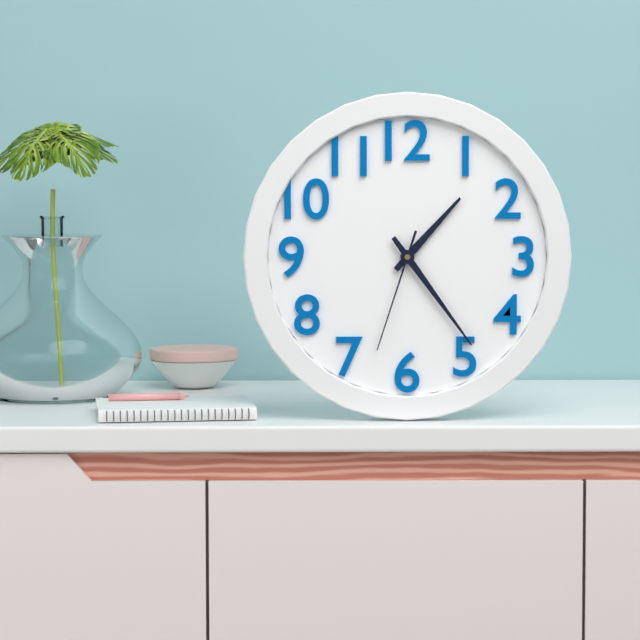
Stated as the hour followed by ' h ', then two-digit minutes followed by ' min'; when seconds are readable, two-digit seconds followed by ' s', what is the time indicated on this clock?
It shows 1 h 24 min 33 s
